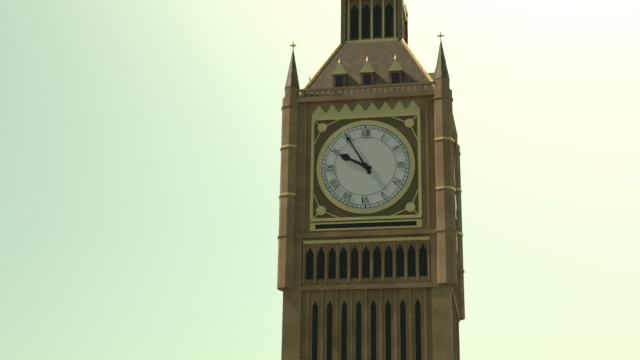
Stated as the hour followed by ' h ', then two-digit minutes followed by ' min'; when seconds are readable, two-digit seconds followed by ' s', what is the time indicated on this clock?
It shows 9 h 55 min
